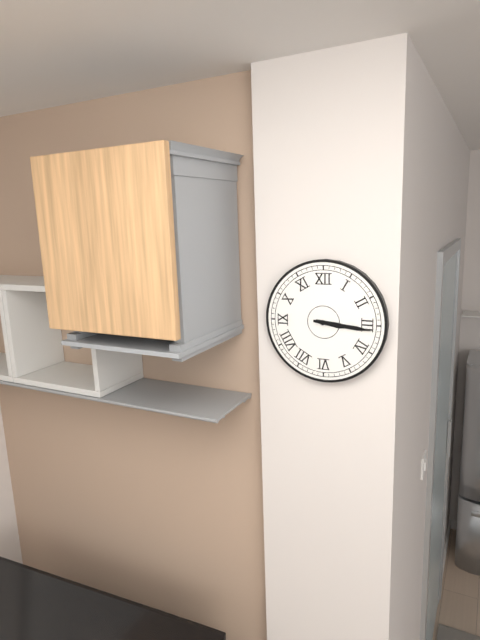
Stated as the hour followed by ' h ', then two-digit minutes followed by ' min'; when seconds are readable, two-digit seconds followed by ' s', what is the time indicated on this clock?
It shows 3 h 16 min
